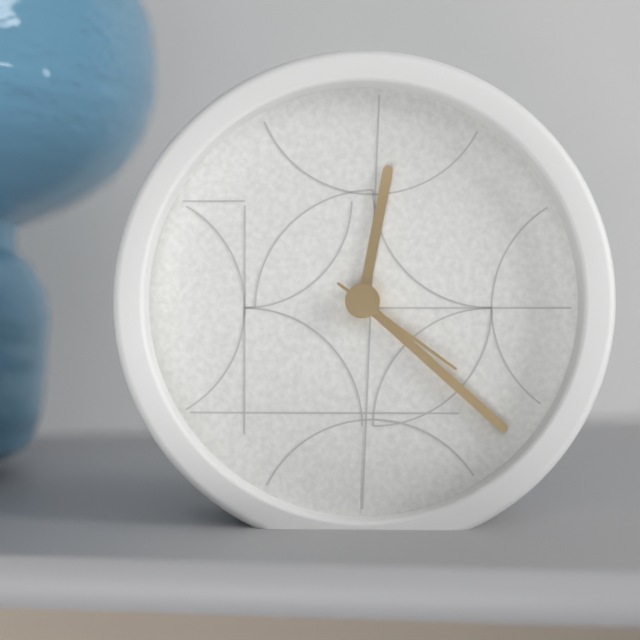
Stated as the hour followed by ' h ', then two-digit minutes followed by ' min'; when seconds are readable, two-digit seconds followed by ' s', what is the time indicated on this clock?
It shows 12 h 22 min 21 s
